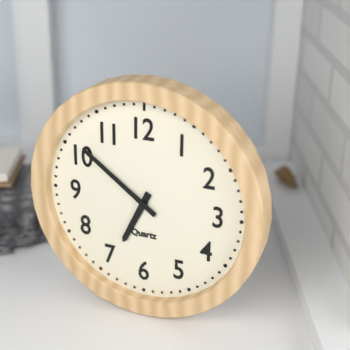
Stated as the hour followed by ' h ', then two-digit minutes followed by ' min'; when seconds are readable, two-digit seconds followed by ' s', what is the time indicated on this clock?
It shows 6 h 51 min
